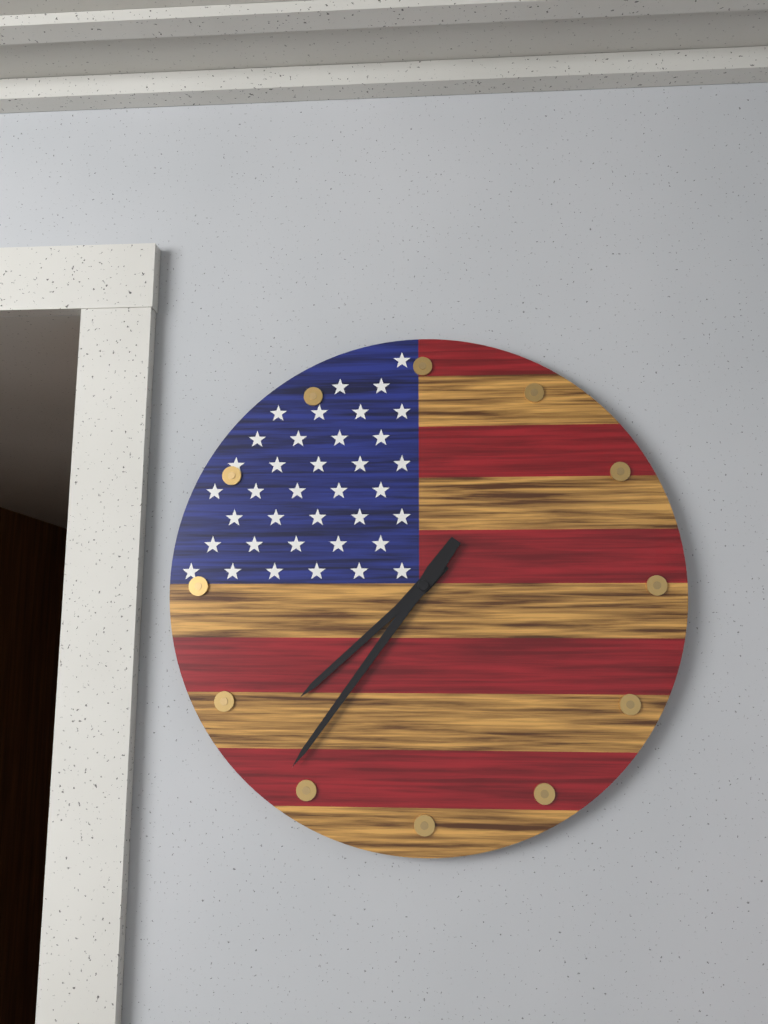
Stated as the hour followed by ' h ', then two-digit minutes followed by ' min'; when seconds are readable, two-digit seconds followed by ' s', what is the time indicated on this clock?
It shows 7 h 36 min
